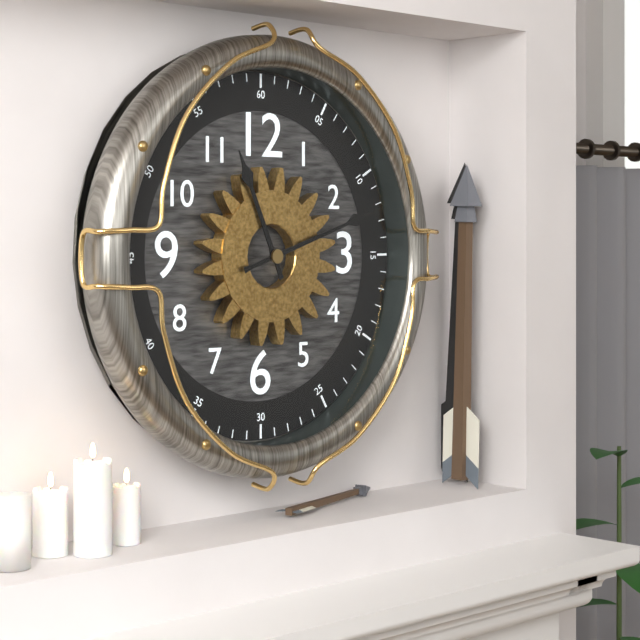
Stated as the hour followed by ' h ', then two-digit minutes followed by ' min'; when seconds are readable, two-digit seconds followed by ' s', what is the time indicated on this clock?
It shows 11 h 12 min
